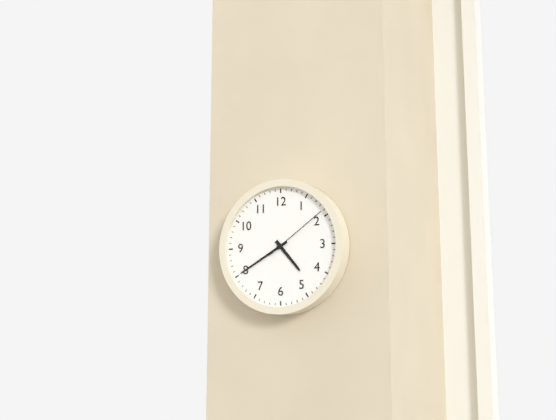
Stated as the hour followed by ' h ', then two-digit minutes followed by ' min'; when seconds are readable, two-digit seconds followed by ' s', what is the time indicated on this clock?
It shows 4 h 40 min 09 s
